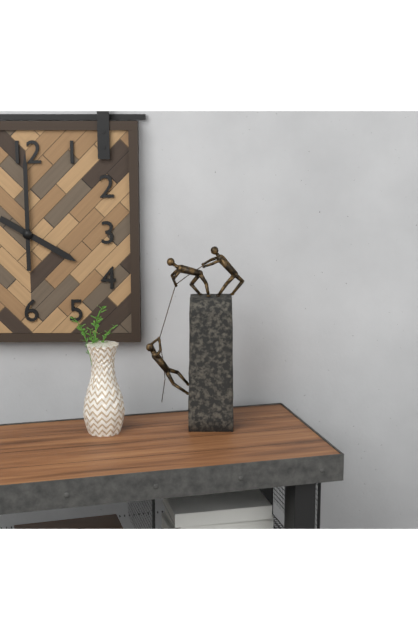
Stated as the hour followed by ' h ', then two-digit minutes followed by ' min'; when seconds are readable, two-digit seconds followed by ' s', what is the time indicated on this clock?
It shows 4 h 00 min
